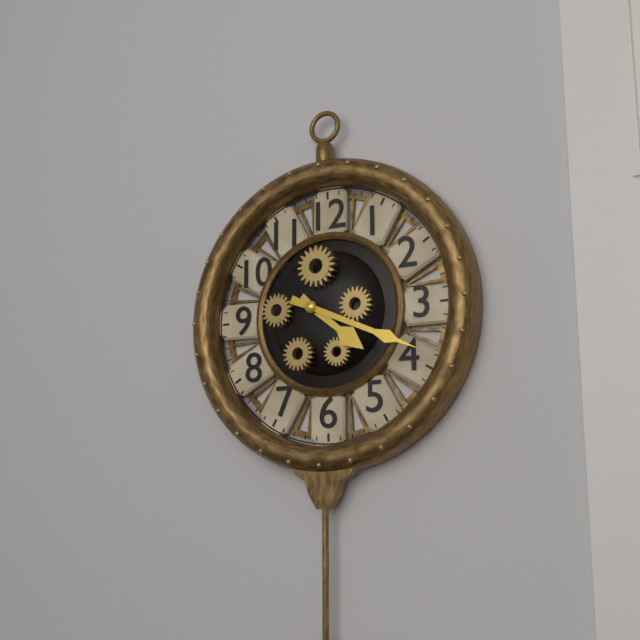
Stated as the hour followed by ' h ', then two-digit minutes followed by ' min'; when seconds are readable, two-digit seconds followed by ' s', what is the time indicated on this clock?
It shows 4 h 19 min
